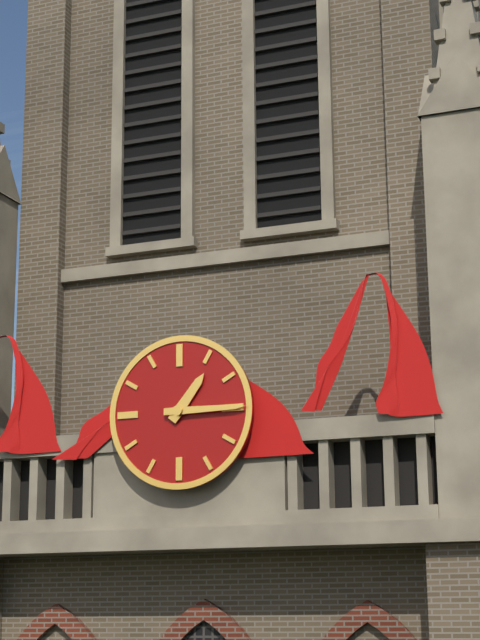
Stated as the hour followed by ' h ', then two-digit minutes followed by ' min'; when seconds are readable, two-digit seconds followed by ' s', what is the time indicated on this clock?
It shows 1 h 15 min
